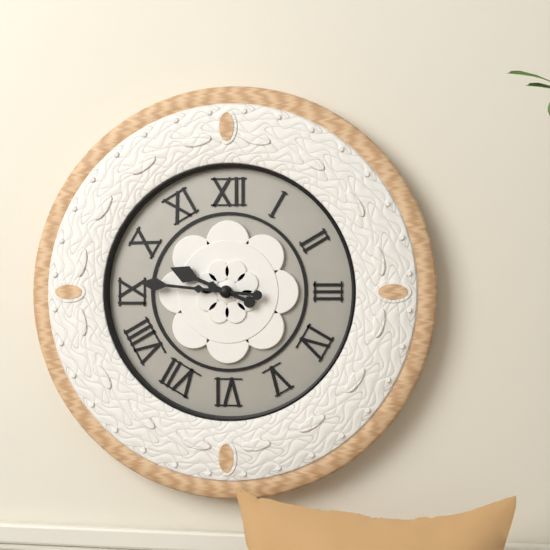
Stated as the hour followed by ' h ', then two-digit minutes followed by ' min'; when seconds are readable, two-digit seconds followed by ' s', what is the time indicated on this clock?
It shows 9 h 46 min
